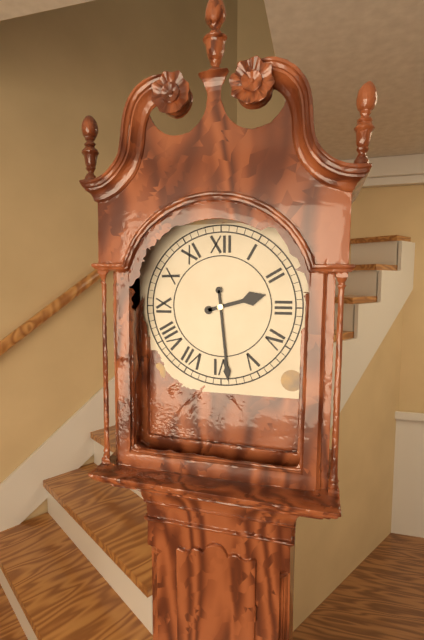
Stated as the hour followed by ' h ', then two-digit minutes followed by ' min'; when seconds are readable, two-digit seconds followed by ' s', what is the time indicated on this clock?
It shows 2 h 29 min
